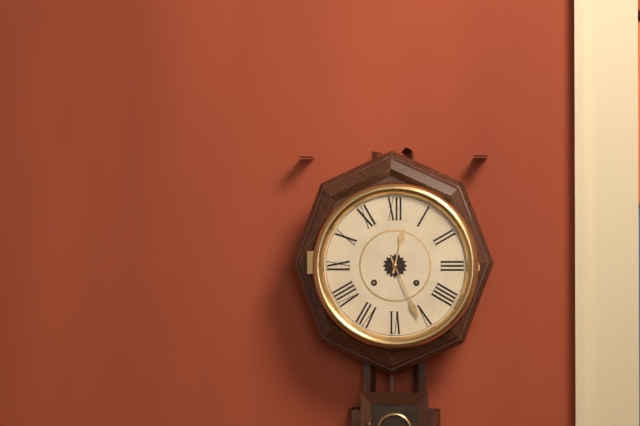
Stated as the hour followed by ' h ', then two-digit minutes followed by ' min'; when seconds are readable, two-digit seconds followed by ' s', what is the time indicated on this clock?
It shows 12 h 26 min
